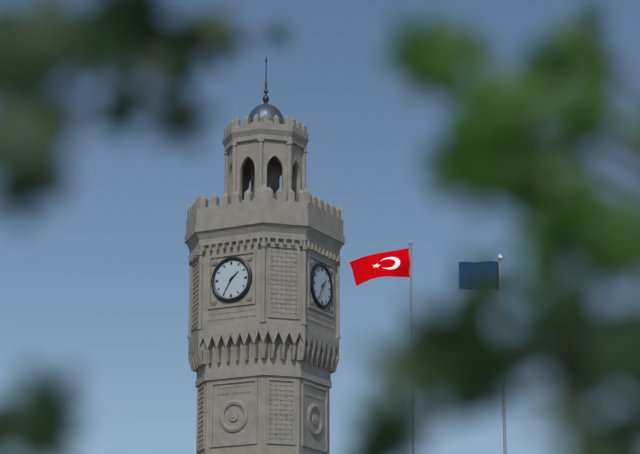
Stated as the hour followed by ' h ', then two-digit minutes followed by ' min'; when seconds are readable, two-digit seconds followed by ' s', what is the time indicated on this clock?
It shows 1 h 35 min
